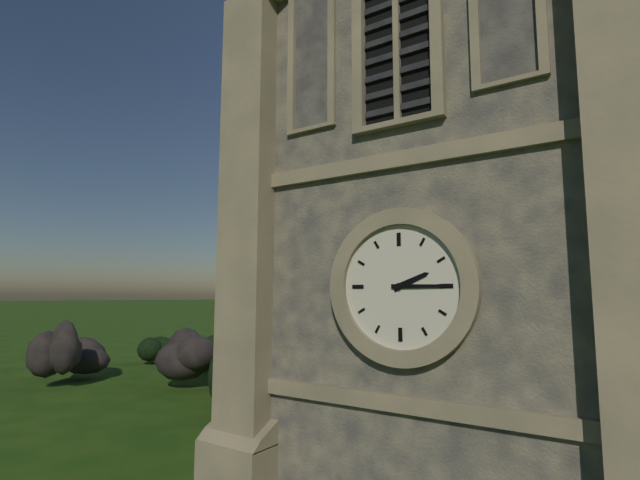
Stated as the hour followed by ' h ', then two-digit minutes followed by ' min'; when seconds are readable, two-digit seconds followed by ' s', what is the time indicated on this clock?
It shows 2 h 15 min
